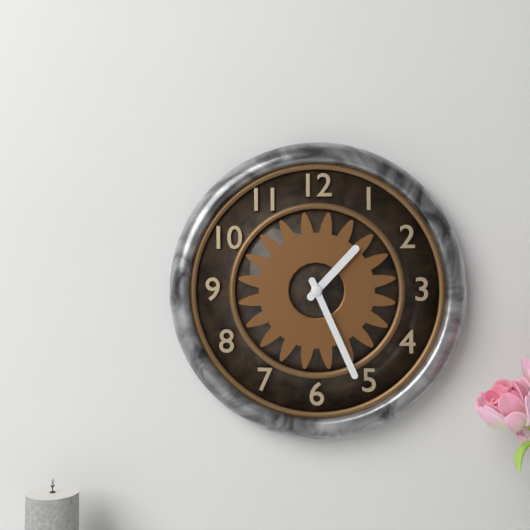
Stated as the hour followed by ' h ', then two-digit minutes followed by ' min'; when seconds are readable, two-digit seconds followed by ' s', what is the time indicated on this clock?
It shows 1 h 26 min
